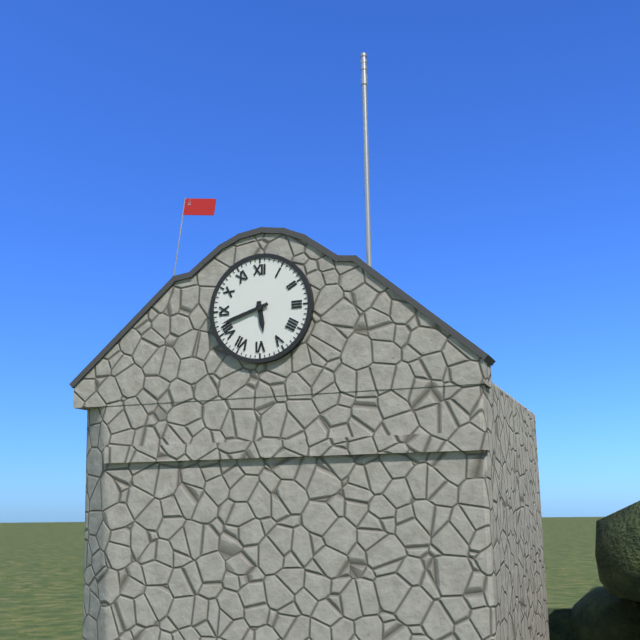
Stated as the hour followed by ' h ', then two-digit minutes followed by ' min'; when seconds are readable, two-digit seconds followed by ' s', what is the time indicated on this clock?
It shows 5 h 42 min
